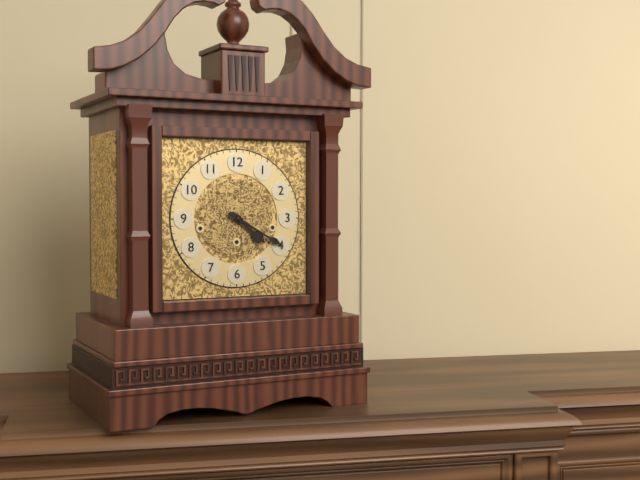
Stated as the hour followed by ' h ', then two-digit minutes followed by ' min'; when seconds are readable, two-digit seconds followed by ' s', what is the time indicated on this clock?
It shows 4 h 20 min
